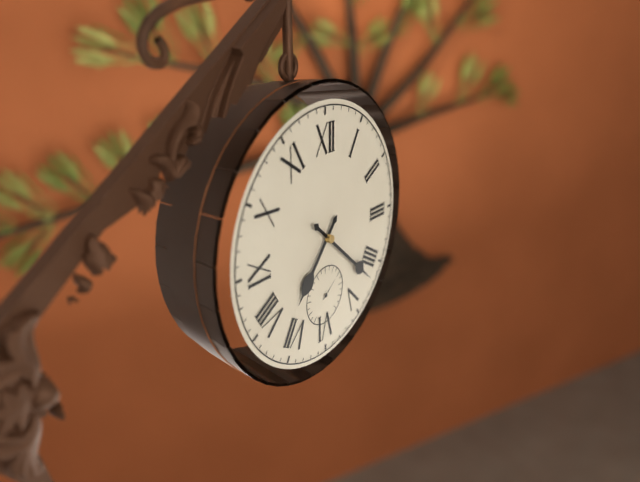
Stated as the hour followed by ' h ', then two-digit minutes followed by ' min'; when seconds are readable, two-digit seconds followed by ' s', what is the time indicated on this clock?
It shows 7 h 22 min
